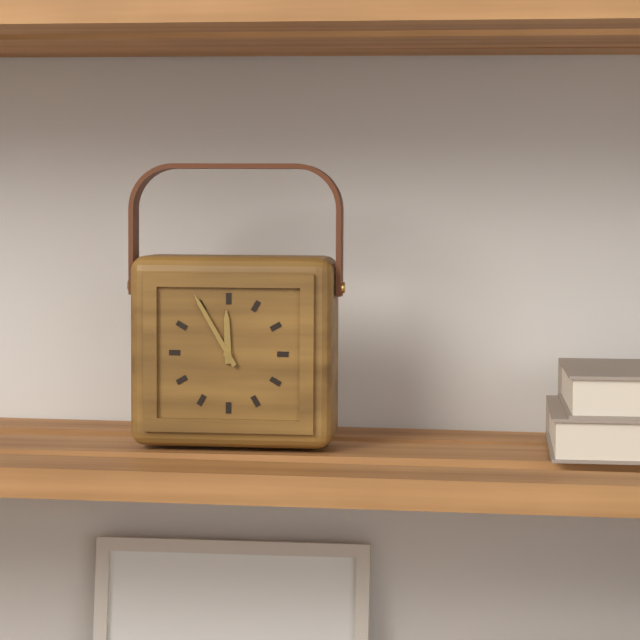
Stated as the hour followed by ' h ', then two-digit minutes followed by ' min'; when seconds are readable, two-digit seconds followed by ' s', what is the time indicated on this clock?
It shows 11 h 55 min
